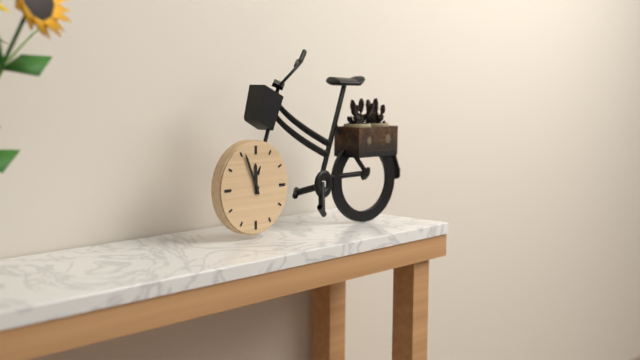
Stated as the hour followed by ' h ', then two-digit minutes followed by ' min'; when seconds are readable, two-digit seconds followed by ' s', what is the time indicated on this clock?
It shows 11 h 56 min
